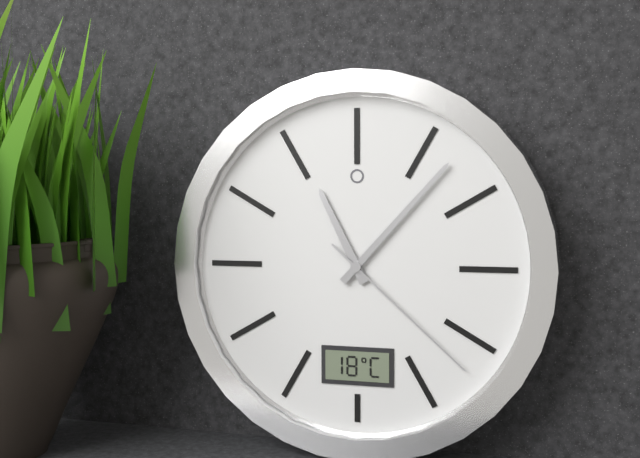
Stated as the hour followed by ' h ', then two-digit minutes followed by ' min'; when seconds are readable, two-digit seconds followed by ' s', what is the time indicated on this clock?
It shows 11 h 07 min 22 s
